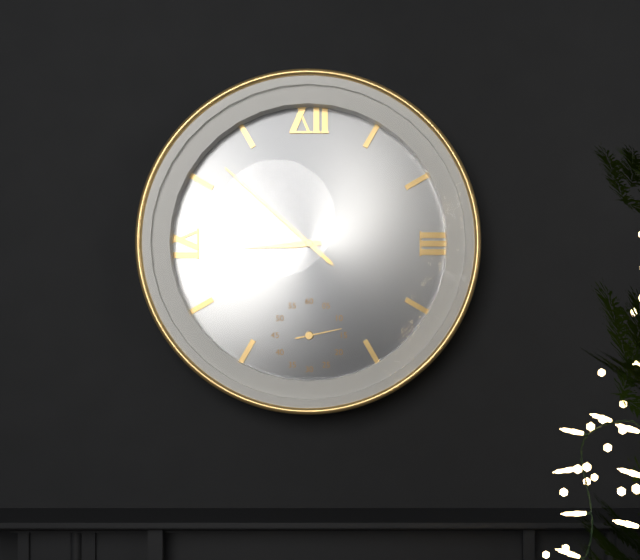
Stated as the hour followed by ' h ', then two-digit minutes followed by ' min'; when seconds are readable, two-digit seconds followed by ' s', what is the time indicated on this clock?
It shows 8 h 52 min
